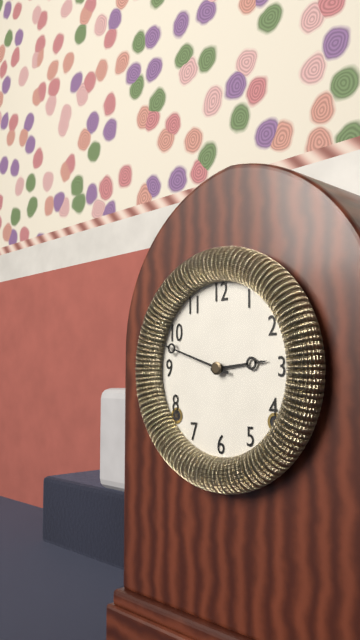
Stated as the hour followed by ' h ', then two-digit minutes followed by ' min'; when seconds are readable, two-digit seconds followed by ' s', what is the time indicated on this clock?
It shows 2 h 48 min
